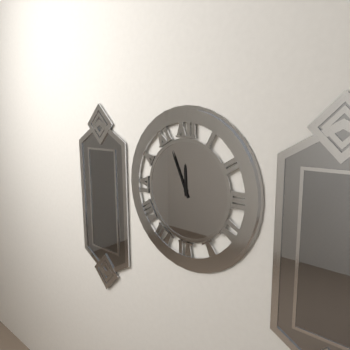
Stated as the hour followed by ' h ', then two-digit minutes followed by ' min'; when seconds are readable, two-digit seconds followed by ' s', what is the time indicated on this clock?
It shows 11 h 56 min
